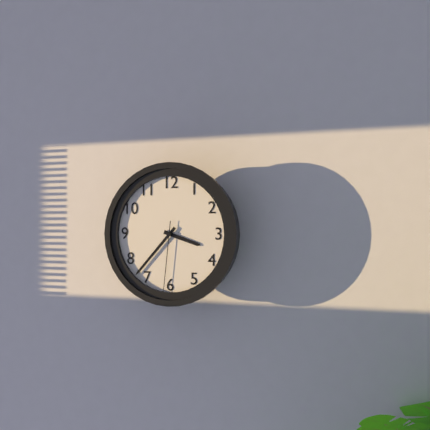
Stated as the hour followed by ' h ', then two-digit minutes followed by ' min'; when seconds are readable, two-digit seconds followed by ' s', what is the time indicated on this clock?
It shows 3 h 37 min 31 s
